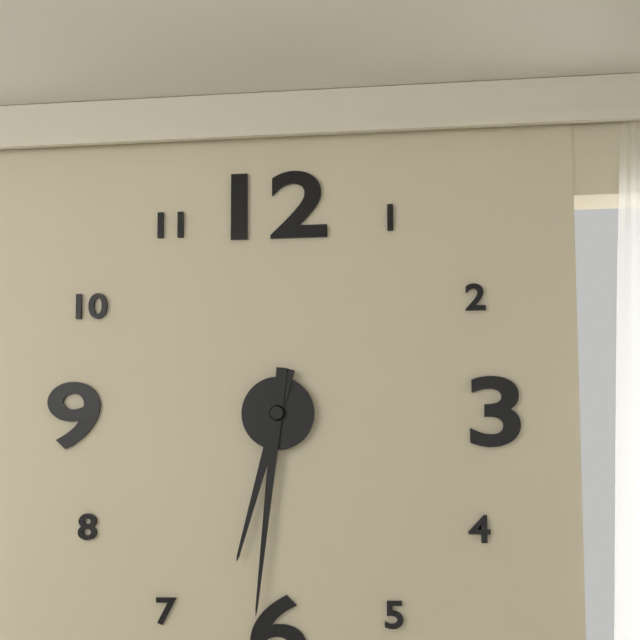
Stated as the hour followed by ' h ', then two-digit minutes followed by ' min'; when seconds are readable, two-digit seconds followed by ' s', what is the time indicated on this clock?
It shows 6 h 31 min
